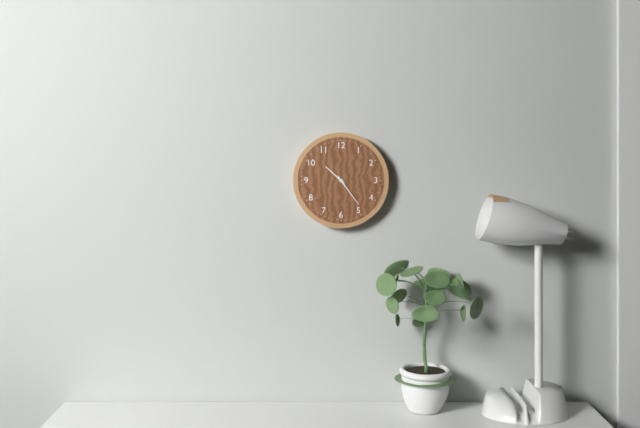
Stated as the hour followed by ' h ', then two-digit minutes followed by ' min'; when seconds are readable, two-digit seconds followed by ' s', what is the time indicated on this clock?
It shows 10 h 24 min
